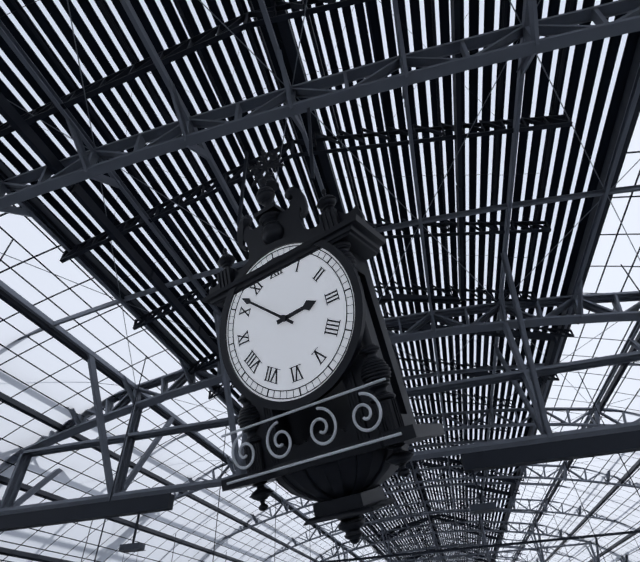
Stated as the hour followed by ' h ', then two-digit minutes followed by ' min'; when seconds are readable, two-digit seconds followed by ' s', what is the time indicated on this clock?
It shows 2 h 52 min
